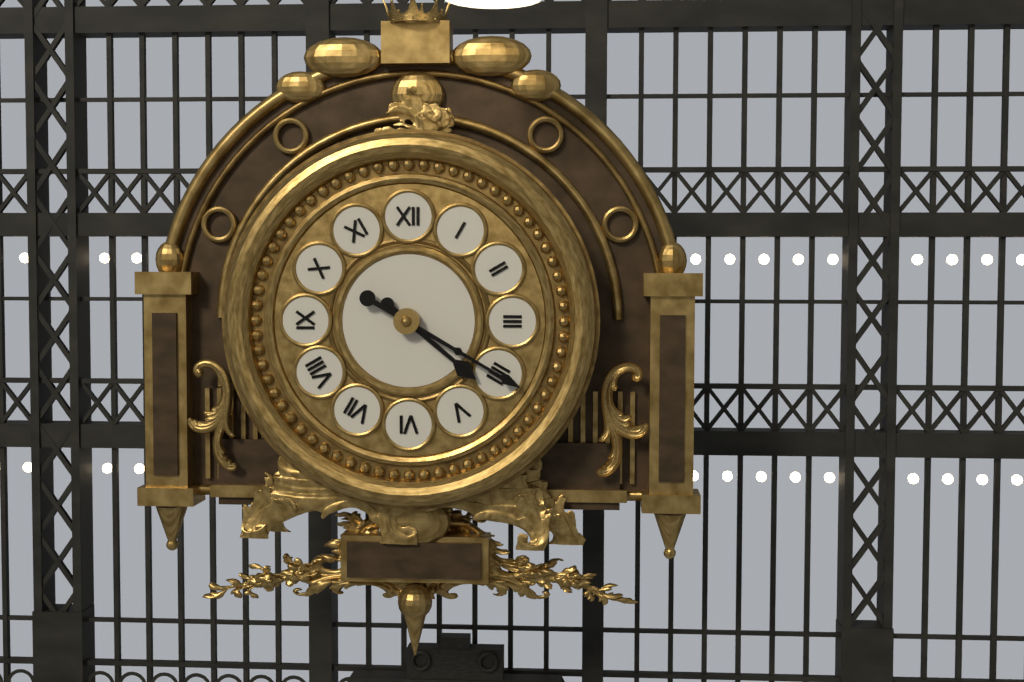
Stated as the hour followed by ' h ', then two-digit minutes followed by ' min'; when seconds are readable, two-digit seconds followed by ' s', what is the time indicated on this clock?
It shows 4 h 20 min
